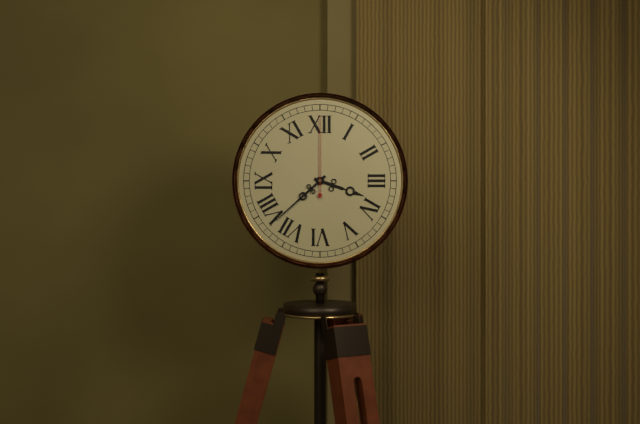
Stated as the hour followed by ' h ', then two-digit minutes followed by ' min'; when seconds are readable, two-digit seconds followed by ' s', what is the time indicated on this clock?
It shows 3 h 38 min 00 s
